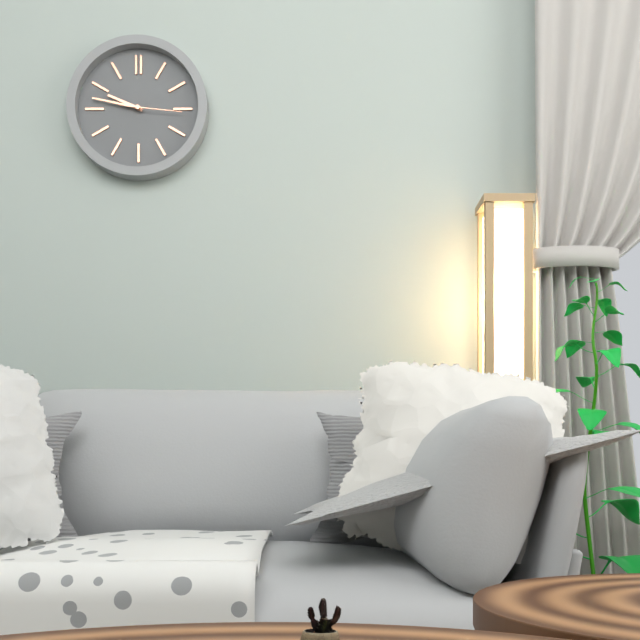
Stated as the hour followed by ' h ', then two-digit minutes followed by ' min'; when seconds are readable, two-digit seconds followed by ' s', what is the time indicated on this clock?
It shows 9 h 47 min 16 s
